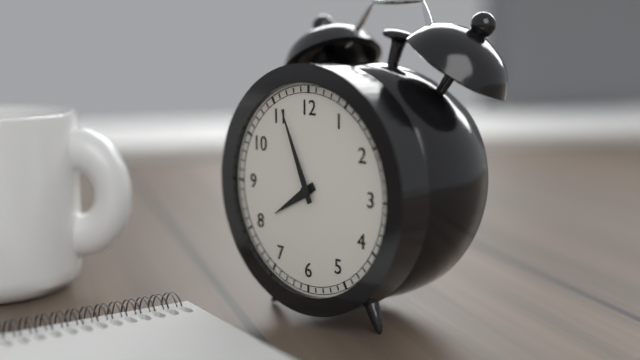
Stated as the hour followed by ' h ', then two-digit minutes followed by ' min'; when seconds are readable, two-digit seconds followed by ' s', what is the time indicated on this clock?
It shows 7 h 56 min
